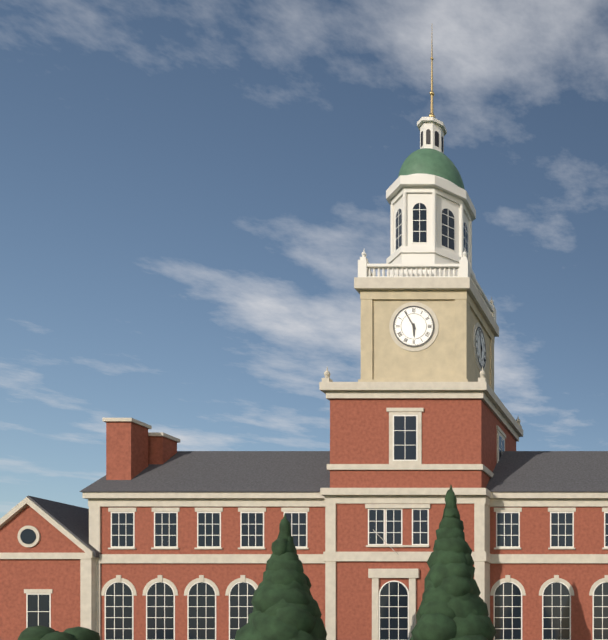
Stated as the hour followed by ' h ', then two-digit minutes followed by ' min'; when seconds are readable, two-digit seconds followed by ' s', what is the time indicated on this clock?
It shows 5 h 55 min
